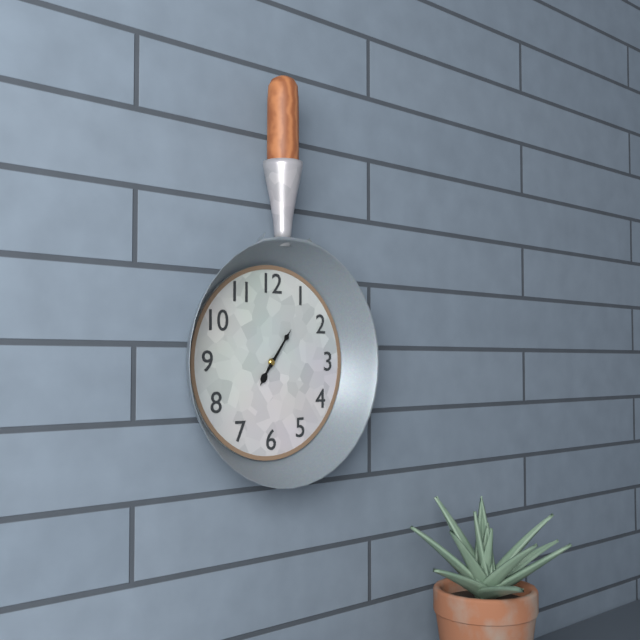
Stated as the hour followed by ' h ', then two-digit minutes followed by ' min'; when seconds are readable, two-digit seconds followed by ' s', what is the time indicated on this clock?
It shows 7 h 06 min
